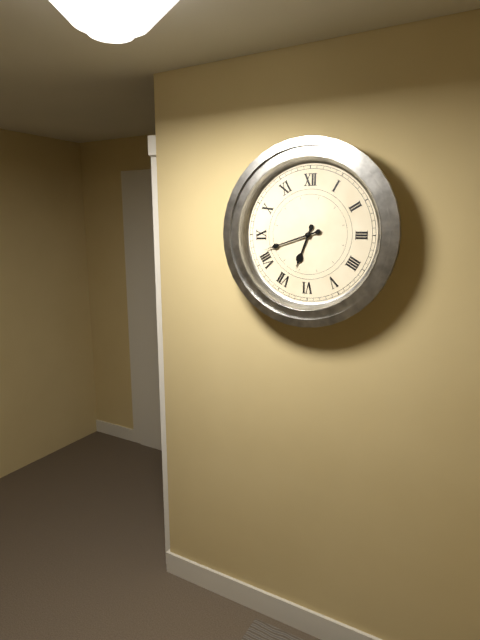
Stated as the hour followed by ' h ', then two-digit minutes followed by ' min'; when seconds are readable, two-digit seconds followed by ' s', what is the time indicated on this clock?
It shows 6 h 42 min
